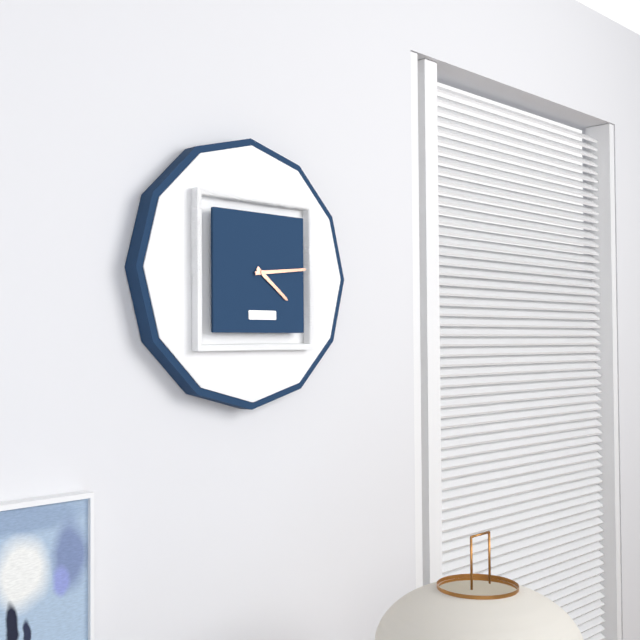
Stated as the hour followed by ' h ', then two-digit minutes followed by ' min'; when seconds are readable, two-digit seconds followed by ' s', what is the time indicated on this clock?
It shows 4 h 14 min
